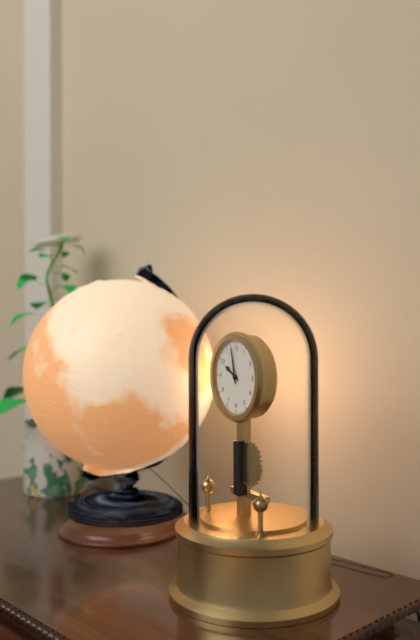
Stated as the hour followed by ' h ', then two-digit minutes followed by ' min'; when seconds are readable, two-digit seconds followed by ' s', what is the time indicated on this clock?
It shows 9 h 58 min
